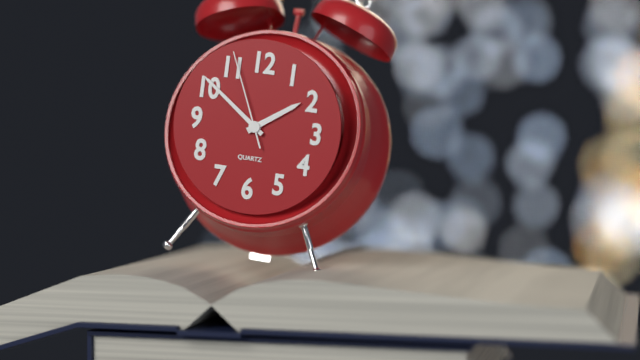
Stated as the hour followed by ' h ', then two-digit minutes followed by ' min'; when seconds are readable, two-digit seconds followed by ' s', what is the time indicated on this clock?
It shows 1 h 51 min 56 s
